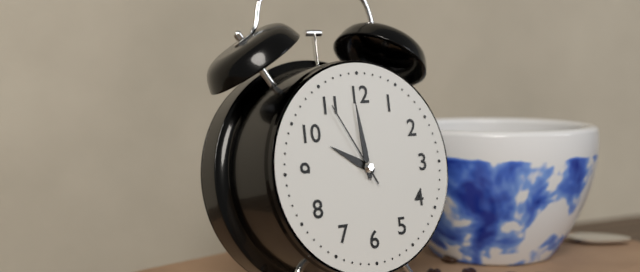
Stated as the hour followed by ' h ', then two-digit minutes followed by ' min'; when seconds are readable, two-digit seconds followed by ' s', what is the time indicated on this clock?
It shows 9 h 59 min 55 s
